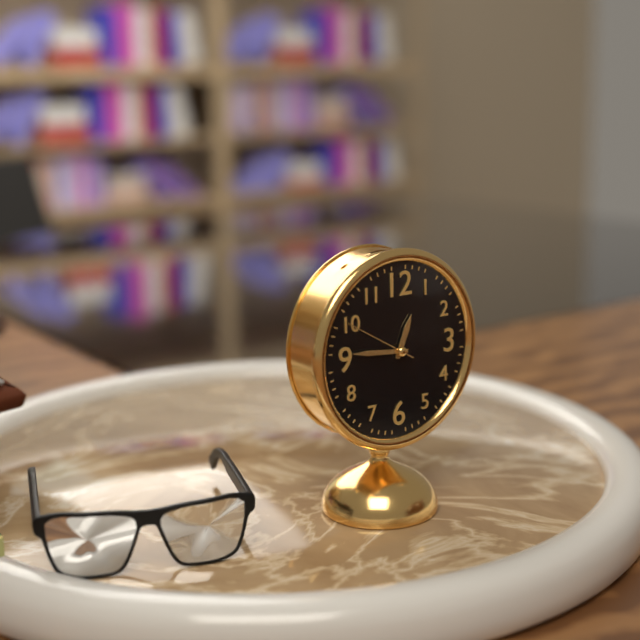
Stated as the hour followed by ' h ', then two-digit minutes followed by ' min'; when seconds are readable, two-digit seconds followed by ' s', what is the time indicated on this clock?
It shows 12 h 46 min 50 s
